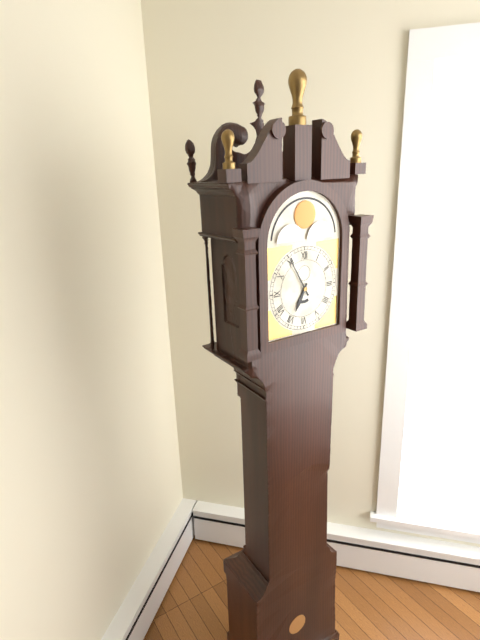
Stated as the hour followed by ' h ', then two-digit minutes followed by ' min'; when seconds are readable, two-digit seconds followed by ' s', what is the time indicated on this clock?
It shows 6 h 55 min
